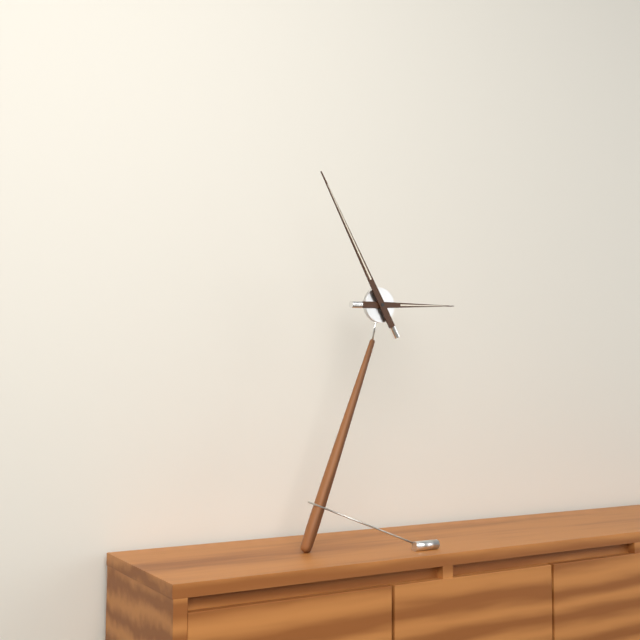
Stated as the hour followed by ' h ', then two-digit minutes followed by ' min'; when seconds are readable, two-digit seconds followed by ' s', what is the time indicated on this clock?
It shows 2 h 55 min
